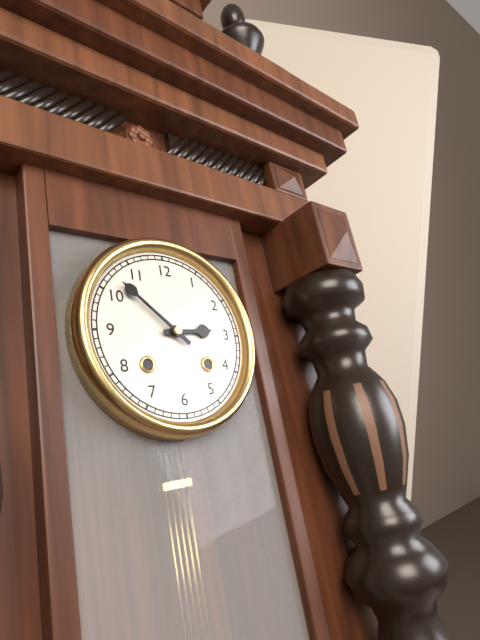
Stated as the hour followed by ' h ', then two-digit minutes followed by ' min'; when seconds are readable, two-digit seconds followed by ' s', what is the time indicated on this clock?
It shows 2 h 52 min
